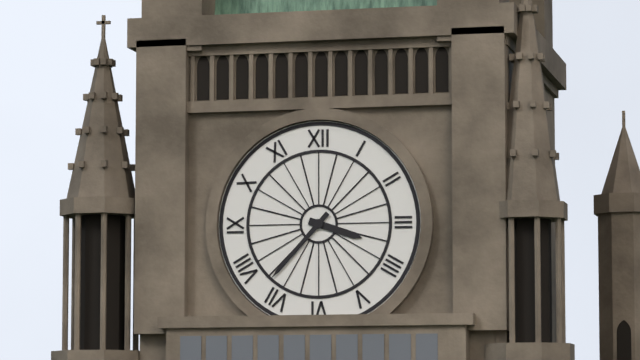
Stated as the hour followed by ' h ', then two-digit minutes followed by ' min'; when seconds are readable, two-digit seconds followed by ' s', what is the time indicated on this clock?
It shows 3 h 37 min
